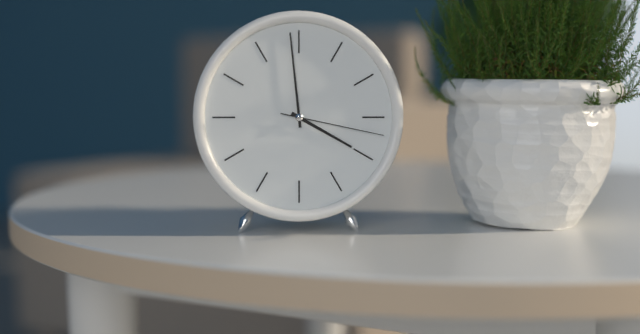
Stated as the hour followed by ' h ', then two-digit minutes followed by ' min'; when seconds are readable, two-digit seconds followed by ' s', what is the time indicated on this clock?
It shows 3 h 59 min 17 s
